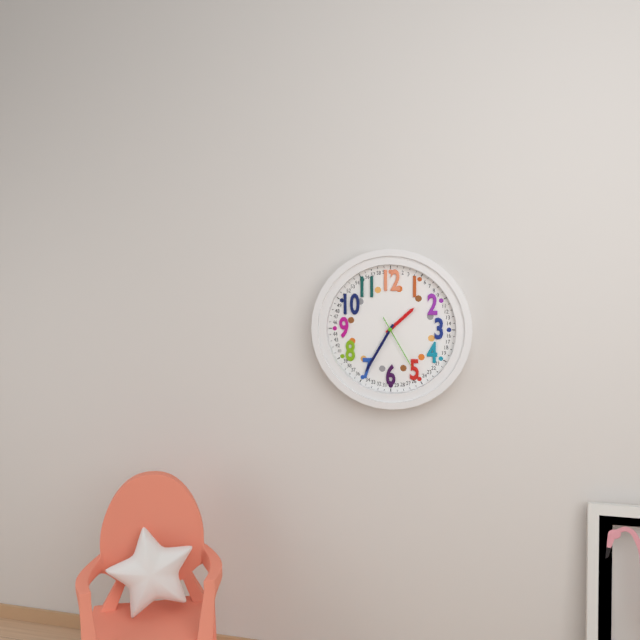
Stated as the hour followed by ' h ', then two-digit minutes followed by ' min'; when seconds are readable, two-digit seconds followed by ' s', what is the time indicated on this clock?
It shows 1 h 35 min 25 s
